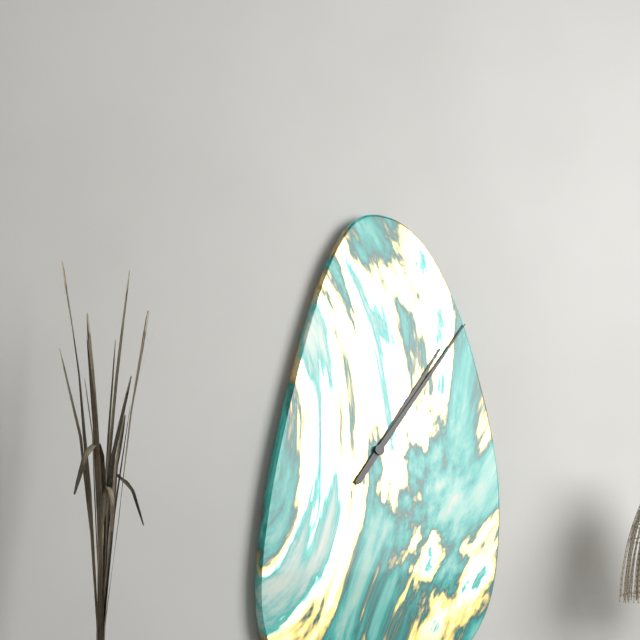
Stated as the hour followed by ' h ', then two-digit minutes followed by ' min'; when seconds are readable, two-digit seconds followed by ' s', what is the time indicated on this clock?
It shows 1 h 06 min
